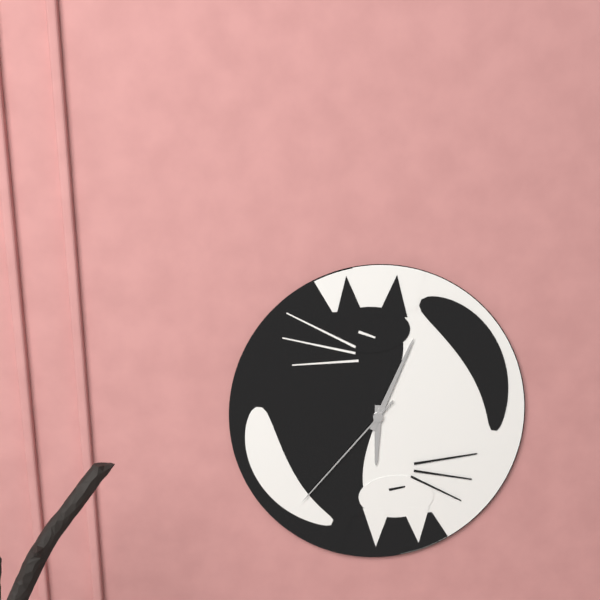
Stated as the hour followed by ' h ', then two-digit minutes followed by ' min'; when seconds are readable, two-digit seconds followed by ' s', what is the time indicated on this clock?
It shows 6 h 04 min 37 s
